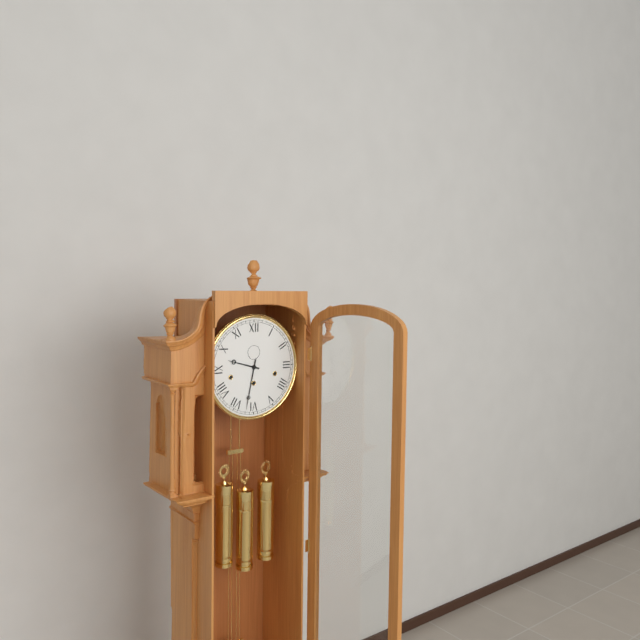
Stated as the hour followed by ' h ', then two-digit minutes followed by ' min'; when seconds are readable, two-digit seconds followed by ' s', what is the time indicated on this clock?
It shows 9 h 32 min
